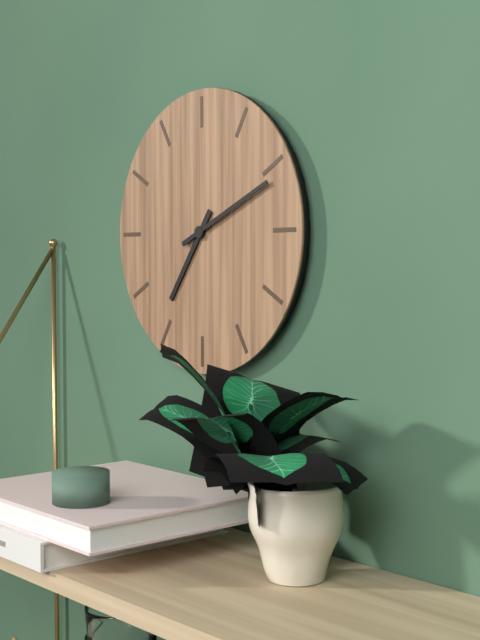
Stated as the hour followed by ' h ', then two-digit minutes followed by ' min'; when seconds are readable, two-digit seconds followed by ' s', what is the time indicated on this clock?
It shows 7 h 11 min
